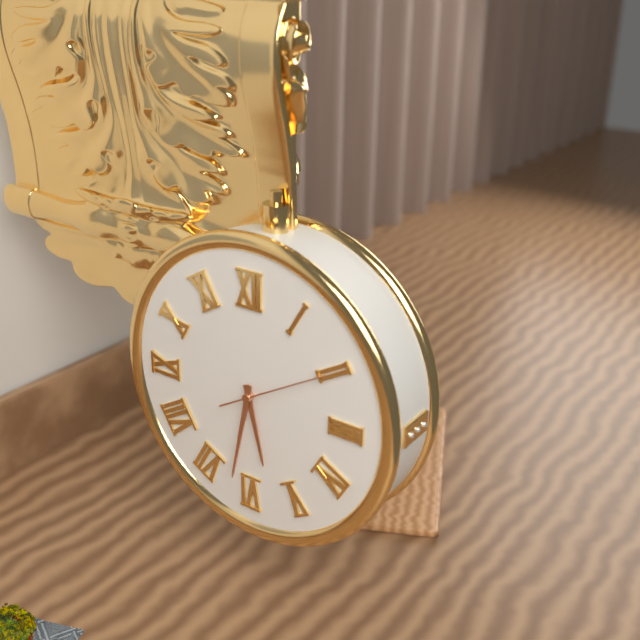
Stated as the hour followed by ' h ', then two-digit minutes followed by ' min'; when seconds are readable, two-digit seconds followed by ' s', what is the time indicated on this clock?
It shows 5 h 32 min 10 s
